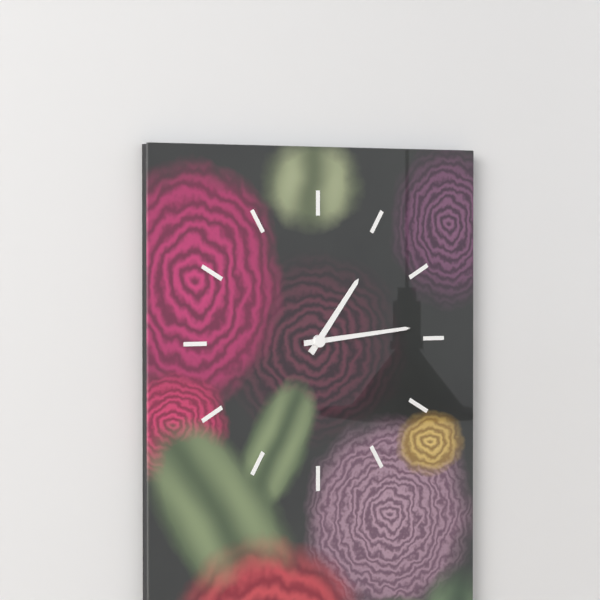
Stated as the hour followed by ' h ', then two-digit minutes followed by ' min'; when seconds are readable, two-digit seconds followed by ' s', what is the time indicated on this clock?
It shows 1 h 14 min
